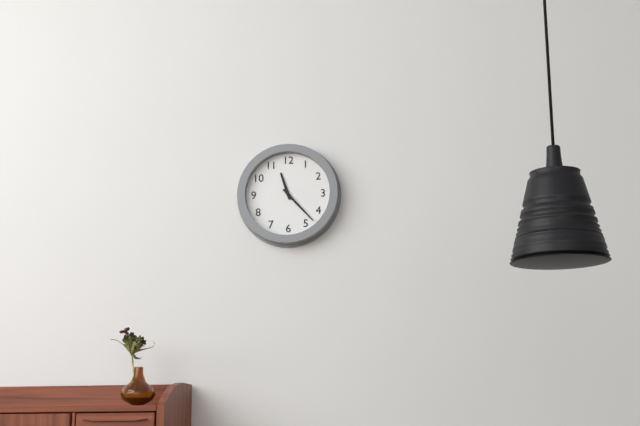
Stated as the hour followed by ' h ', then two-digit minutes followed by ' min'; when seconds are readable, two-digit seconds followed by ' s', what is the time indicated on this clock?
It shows 11 h 23 min
